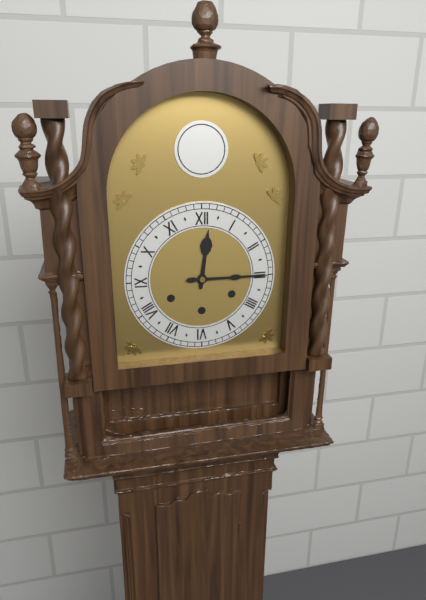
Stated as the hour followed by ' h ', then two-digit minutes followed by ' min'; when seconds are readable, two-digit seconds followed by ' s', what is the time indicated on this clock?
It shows 12 h 15 min
